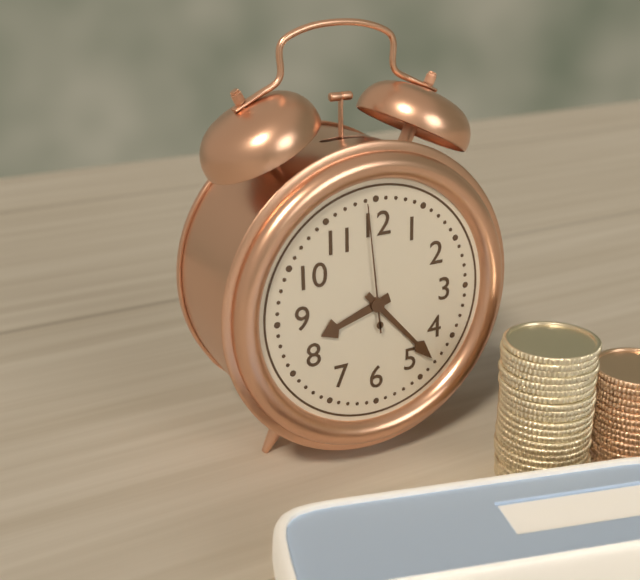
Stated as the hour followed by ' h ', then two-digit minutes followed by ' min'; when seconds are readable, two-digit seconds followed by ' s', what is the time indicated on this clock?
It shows 8 h 23 min 59 s
